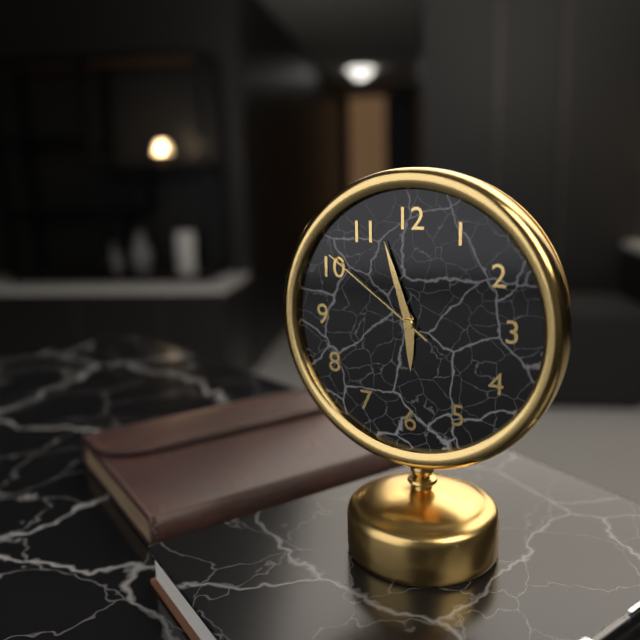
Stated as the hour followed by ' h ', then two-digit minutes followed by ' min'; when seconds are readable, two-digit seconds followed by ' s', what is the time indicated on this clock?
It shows 5 h 57 min 51 s
